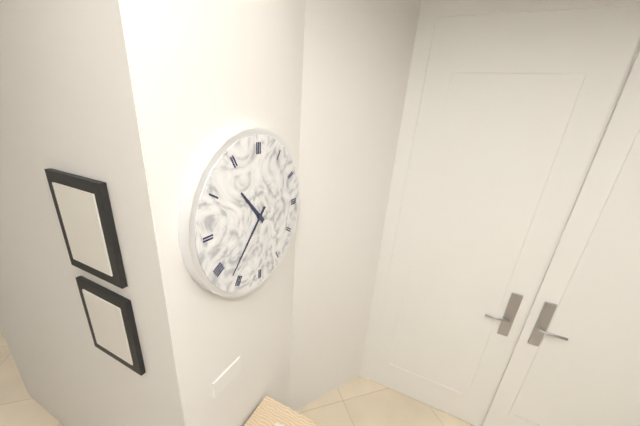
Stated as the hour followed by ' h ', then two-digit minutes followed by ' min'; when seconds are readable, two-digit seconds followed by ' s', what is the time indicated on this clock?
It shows 10 h 37 min
